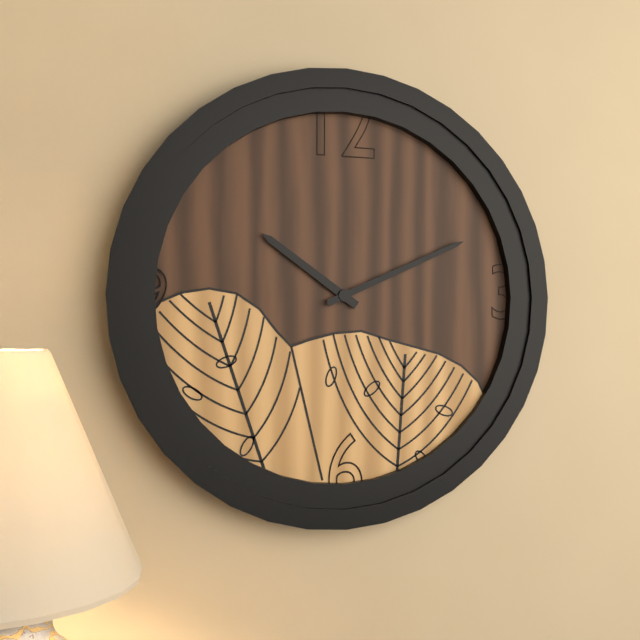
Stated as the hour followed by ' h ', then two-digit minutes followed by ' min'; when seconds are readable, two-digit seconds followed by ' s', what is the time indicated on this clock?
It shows 10 h 11 min
